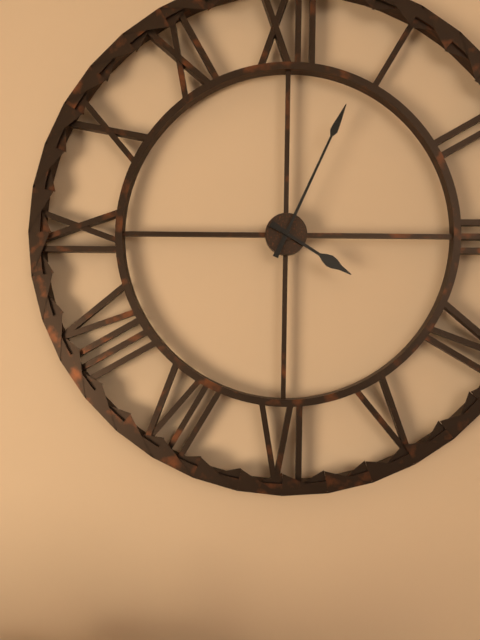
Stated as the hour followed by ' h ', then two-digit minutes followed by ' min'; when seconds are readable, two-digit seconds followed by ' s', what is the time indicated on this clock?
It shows 4 h 04 min
